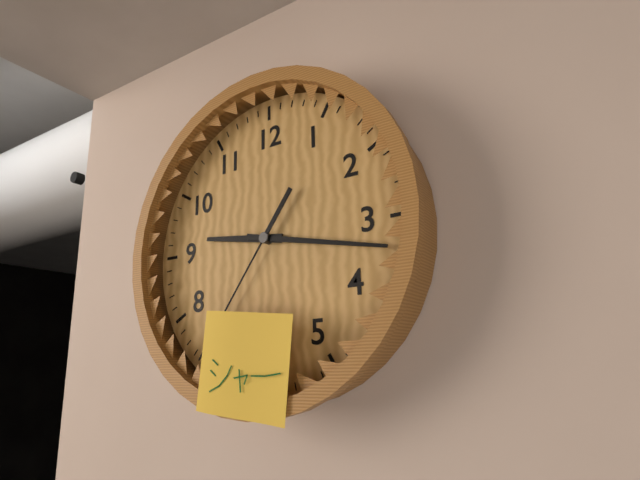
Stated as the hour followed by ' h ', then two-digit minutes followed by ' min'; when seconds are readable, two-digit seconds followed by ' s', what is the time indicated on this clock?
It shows 9 h 17 min 36 s
